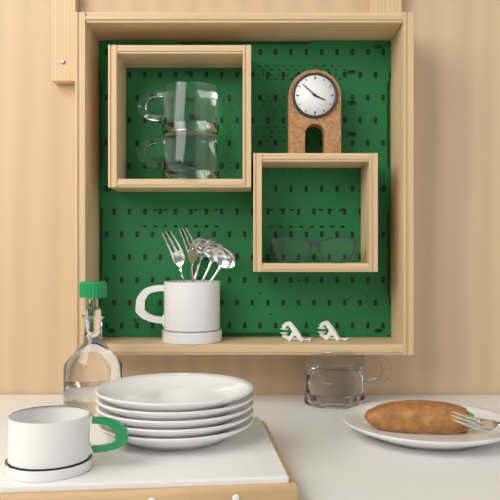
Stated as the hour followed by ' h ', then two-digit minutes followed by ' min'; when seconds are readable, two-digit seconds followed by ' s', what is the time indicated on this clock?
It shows 3 h 52 min
